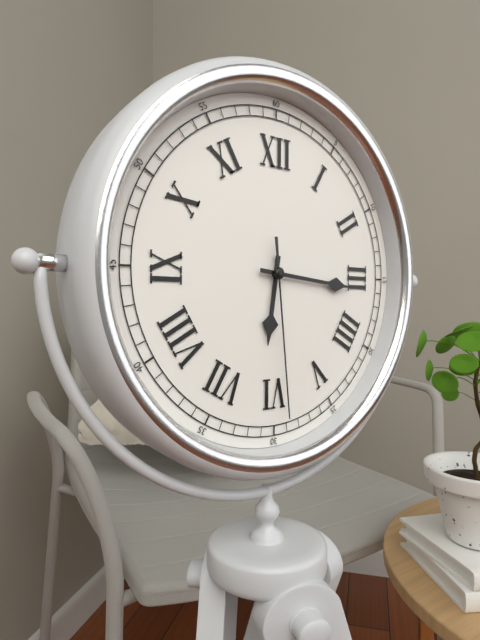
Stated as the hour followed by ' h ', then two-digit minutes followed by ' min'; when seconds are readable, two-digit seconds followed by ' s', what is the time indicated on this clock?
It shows 6 h 16 min 29 s
